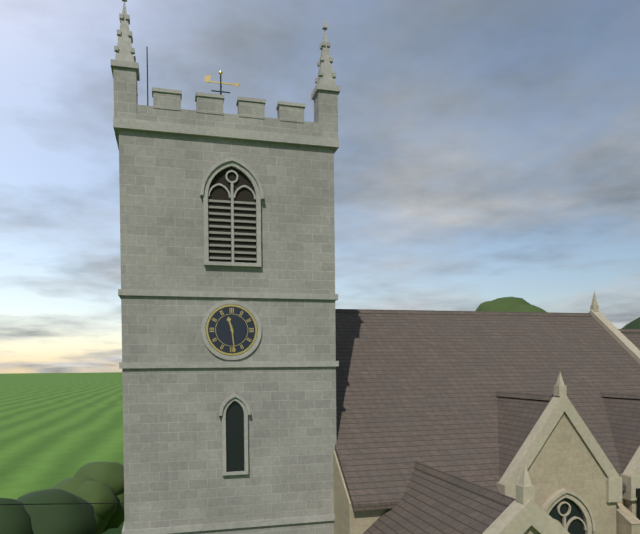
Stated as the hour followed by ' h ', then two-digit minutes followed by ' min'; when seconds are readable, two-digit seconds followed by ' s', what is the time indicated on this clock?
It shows 11 h 29 min
